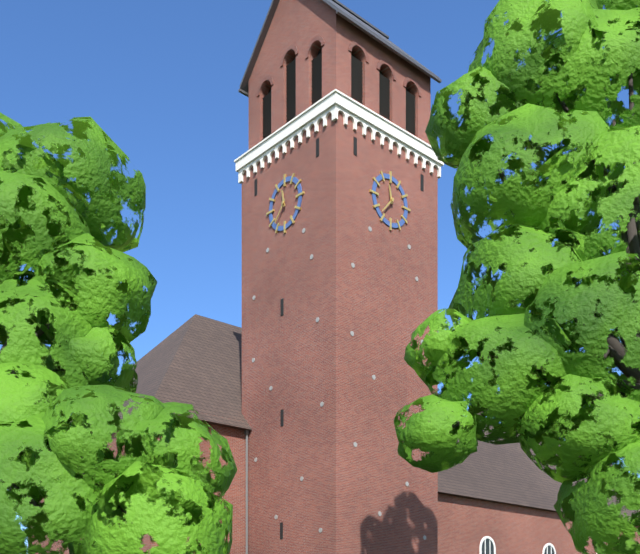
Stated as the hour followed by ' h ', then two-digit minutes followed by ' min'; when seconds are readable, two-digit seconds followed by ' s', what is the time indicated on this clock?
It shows 11 h 37 min
